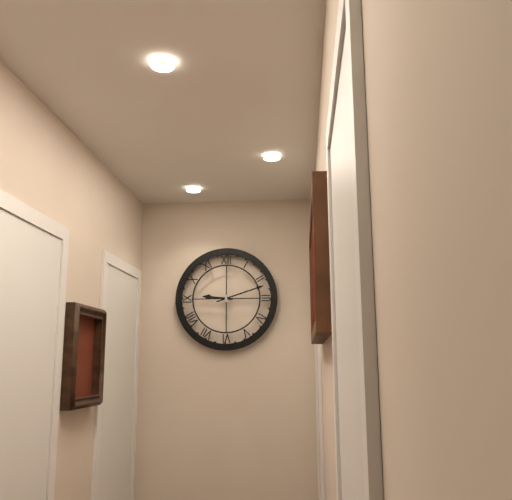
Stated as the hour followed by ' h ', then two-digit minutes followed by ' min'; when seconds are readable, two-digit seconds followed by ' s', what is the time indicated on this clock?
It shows 9 h 12 min
